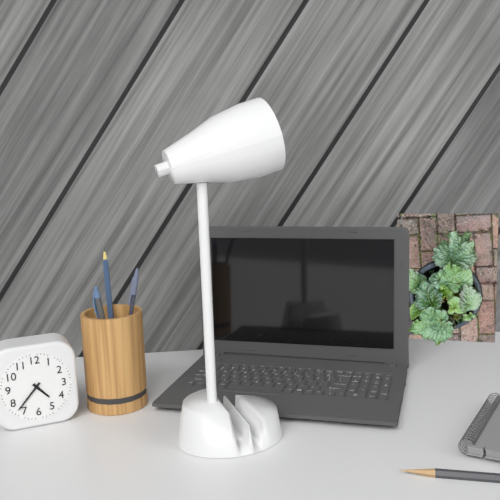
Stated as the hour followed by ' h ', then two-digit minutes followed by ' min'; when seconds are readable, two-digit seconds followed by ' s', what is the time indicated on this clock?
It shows 4 h 37 min
